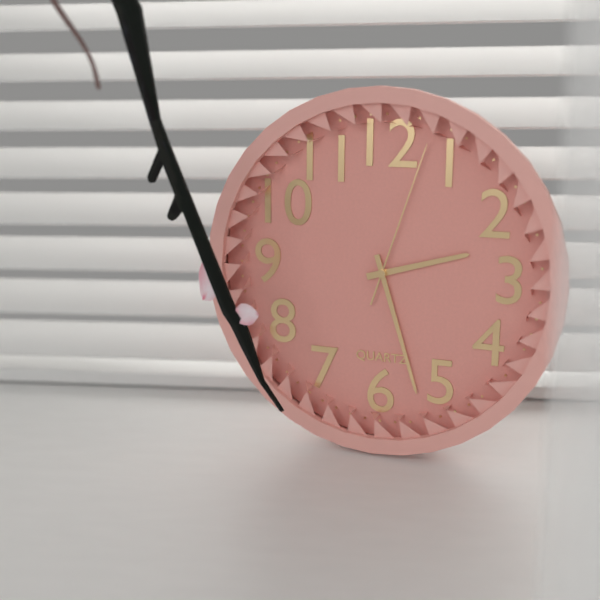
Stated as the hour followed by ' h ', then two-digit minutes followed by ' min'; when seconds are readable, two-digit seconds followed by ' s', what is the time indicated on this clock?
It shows 2 h 27 min 03 s
